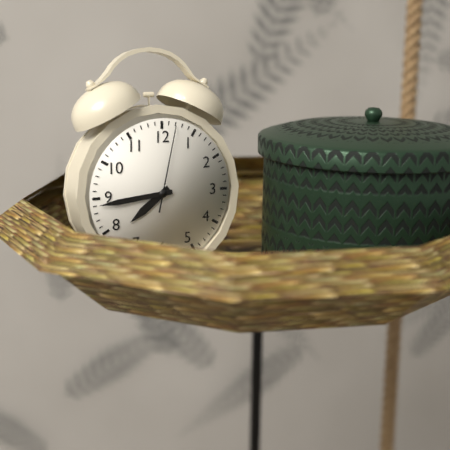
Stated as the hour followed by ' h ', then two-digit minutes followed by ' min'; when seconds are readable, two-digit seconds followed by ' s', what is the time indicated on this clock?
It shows 7 h 44 min 02 s
